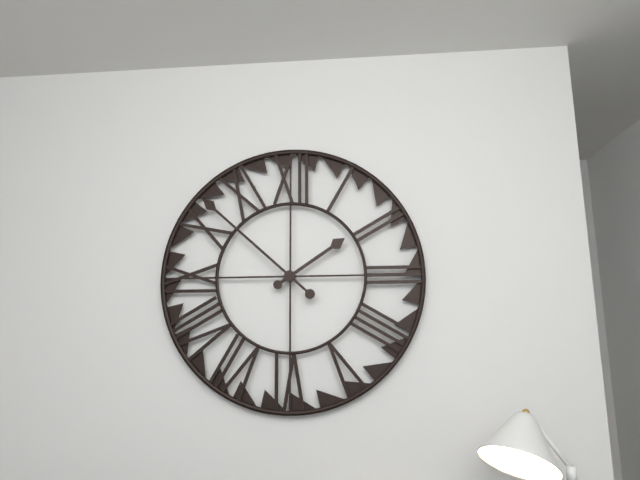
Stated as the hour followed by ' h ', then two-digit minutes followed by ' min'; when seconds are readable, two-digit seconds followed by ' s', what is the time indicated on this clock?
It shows 1 h 52 min
